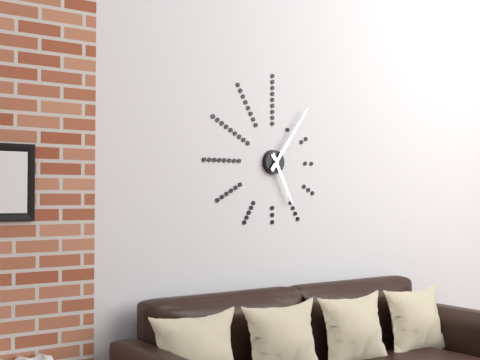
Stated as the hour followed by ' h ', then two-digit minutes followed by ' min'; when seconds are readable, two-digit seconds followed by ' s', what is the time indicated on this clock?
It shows 5 h 06 min
